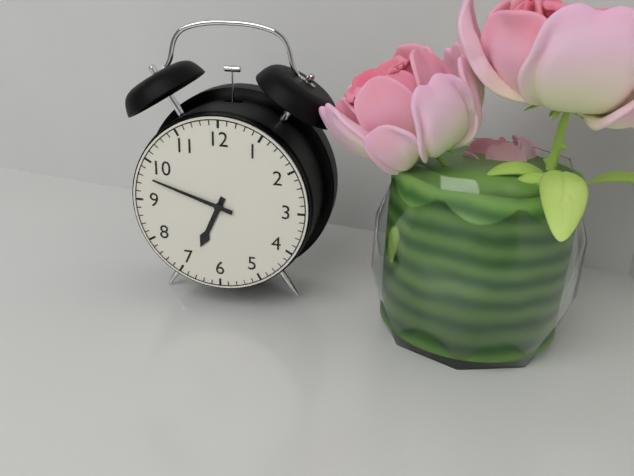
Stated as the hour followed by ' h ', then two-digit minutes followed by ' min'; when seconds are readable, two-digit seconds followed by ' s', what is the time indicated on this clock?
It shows 6 h 48 min
